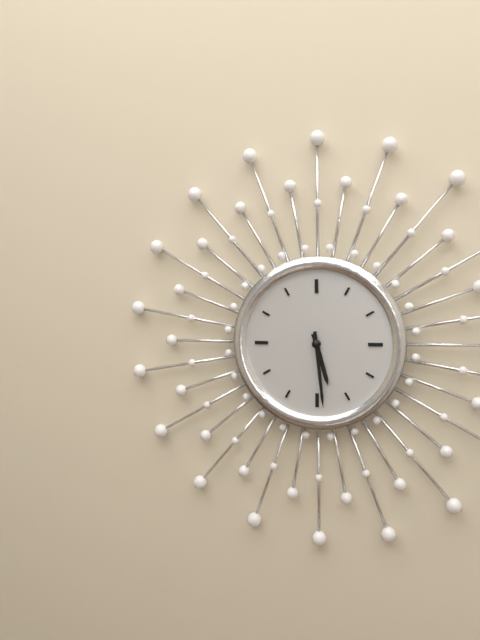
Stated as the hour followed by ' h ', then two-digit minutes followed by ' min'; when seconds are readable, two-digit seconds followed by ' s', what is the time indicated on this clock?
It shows 5 h 29 min
